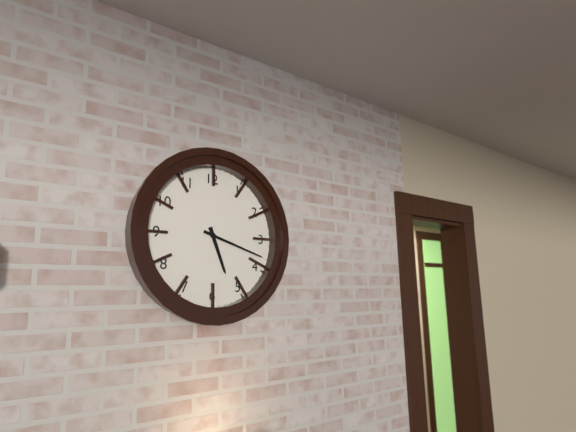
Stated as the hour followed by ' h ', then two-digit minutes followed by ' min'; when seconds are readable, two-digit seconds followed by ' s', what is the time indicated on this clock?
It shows 5 h 18 min
